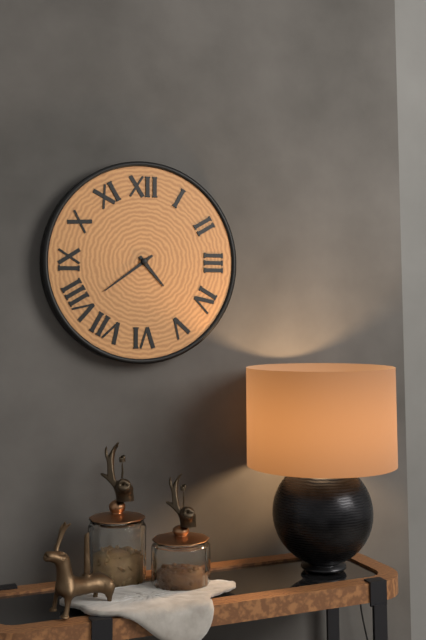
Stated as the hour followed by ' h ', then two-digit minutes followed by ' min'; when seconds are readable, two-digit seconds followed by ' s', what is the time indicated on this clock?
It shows 4 h 39 min
